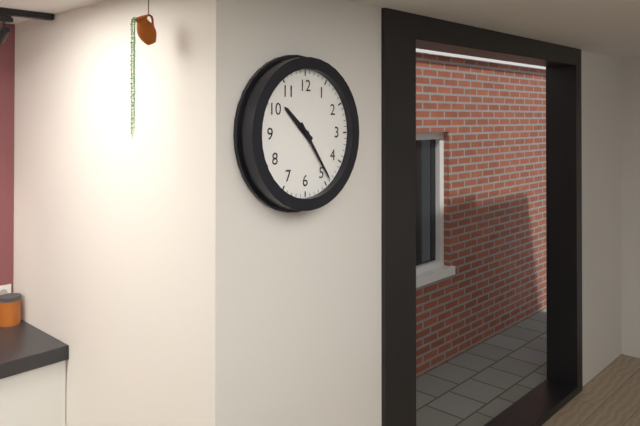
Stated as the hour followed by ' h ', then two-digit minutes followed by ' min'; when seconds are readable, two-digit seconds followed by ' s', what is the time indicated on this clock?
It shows 10 h 24 min
